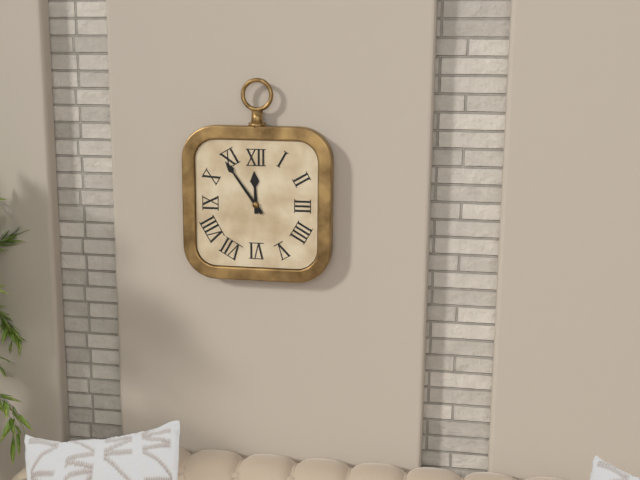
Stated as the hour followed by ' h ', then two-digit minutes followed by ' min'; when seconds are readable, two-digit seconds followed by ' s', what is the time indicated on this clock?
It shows 11 h 54 min
